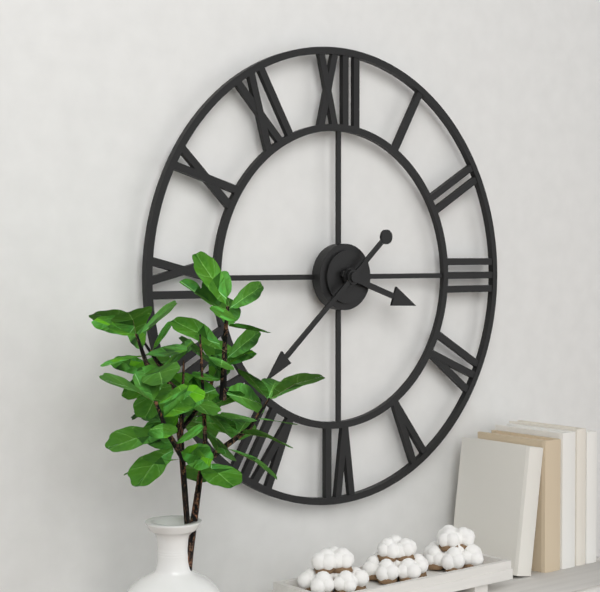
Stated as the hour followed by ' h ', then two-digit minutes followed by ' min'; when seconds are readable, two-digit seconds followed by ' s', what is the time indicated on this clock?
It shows 3 h 38 min
